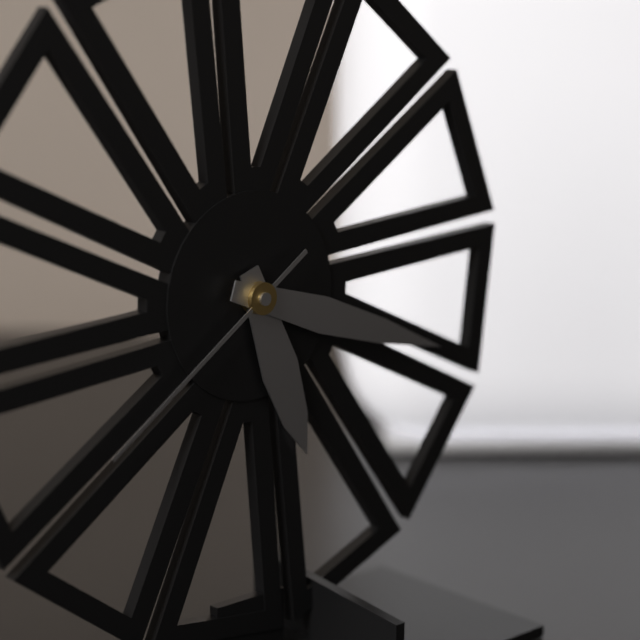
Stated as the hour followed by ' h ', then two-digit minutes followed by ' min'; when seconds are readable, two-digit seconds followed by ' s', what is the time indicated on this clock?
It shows 5 h 18 min 39 s
